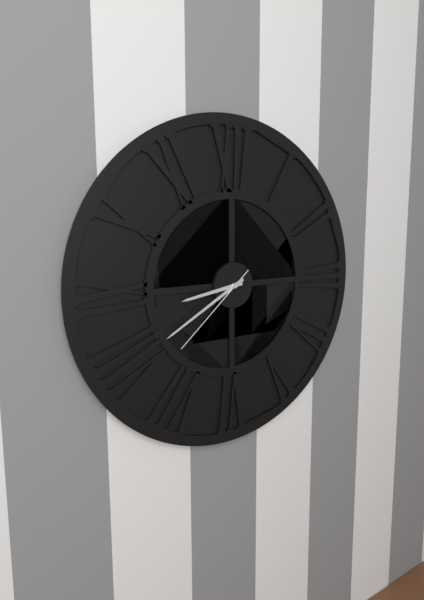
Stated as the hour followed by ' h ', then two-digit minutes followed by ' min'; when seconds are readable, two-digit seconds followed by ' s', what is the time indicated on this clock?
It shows 8 h 40 min 38 s
